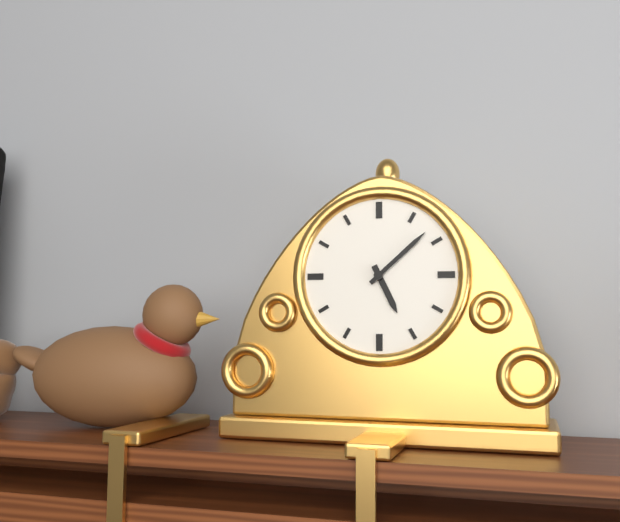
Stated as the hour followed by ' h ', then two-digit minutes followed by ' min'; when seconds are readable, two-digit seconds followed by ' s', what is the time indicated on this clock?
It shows 5 h 08 min
